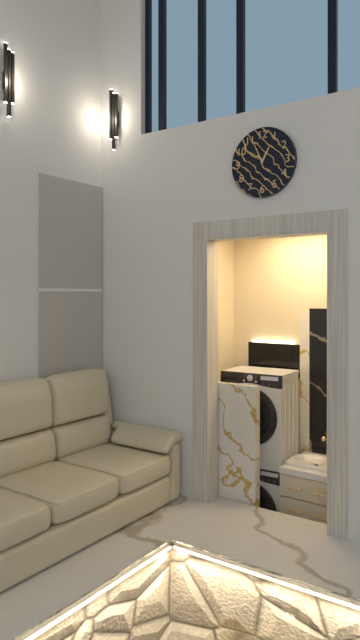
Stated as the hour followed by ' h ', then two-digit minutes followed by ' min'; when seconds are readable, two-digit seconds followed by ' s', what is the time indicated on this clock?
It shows 12 h 56 min
